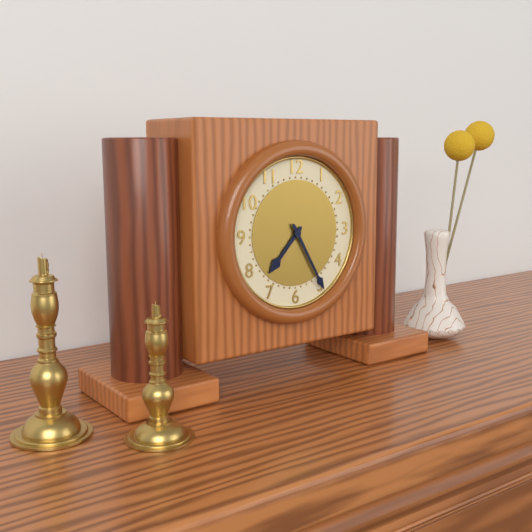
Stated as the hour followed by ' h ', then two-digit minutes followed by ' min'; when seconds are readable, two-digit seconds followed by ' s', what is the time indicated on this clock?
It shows 7 h 25 min
